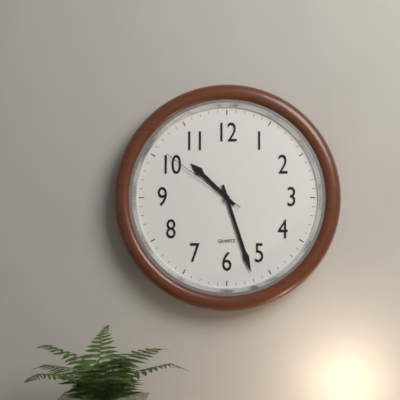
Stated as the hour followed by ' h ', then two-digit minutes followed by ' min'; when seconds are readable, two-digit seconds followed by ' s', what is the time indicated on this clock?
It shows 10 h 27 min 51 s
